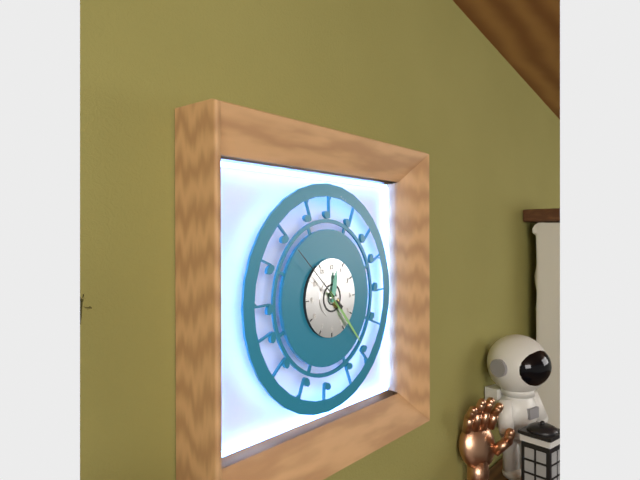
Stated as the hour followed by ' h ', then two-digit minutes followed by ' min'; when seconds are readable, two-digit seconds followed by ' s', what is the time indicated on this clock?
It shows 12 h 23 min 52 s
